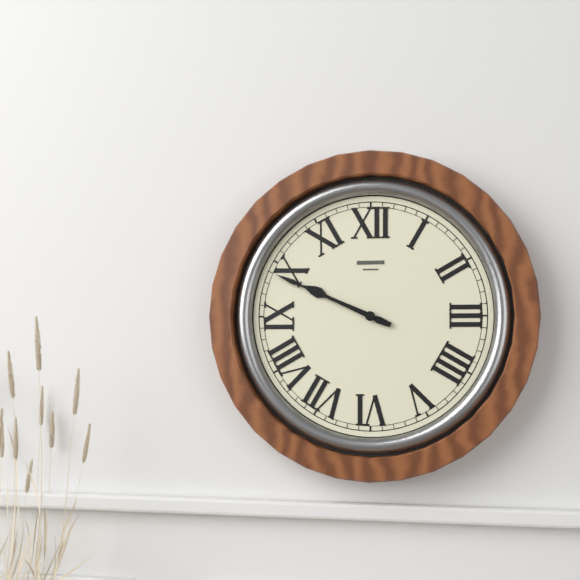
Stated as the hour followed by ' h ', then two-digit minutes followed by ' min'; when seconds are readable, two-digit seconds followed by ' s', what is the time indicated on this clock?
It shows 9 h 49 min
